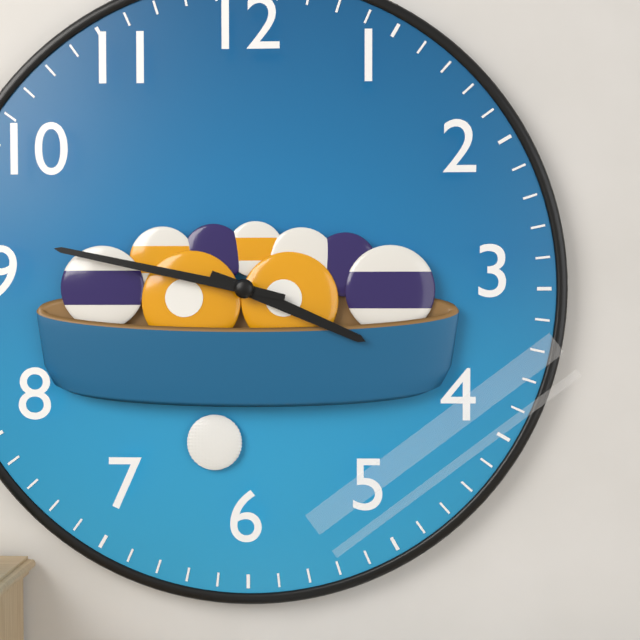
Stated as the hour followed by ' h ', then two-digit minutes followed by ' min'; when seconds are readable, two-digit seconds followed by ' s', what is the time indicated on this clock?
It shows 3 h 47 min
